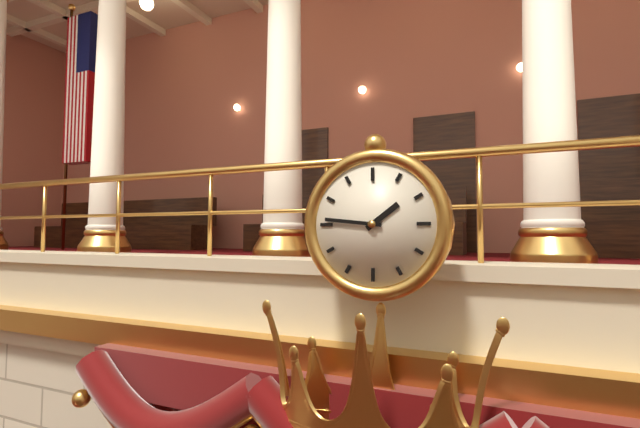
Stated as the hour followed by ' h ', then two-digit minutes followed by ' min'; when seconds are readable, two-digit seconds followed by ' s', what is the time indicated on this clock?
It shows 1 h 46 min
